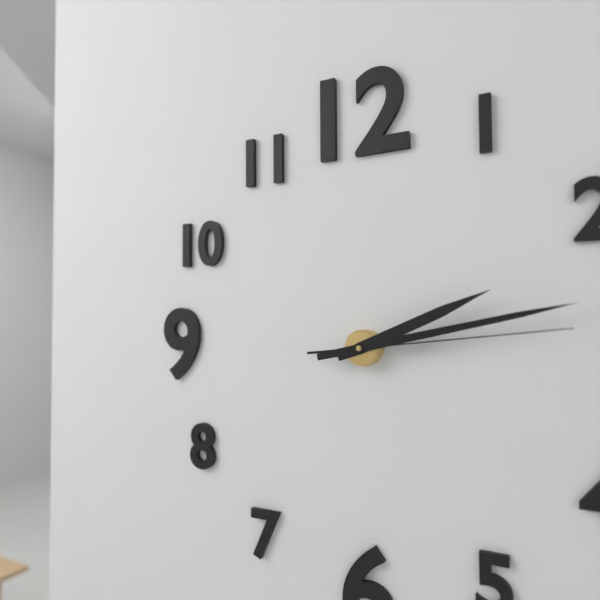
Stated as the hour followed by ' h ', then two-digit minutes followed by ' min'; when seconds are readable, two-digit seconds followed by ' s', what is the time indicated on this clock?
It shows 2 h 13 min 14 s
